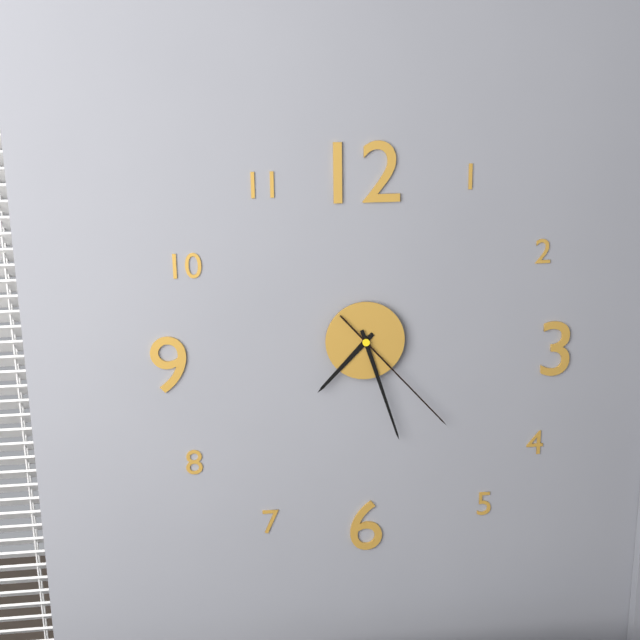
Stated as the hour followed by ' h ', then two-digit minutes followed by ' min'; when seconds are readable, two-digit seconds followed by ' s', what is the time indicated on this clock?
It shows 7 h 27 min 23 s
